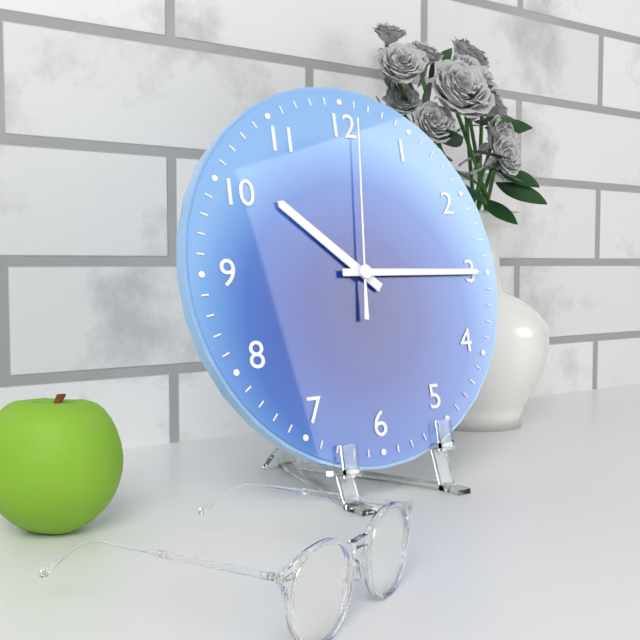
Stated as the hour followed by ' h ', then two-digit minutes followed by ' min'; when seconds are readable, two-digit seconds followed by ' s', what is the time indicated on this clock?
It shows 10 h 15 min 01 s
